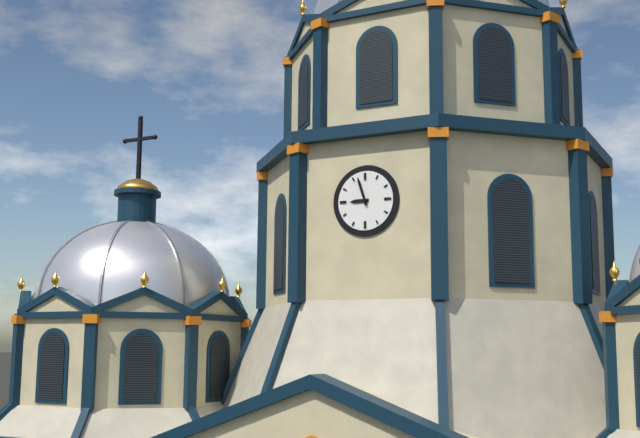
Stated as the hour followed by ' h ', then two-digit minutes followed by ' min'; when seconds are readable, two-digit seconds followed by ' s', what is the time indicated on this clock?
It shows 8 h 57 min
